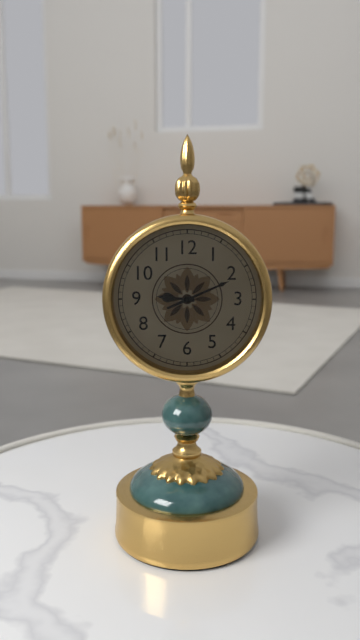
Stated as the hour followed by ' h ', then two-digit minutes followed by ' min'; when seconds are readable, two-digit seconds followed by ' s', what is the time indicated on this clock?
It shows 9 h 11 min
